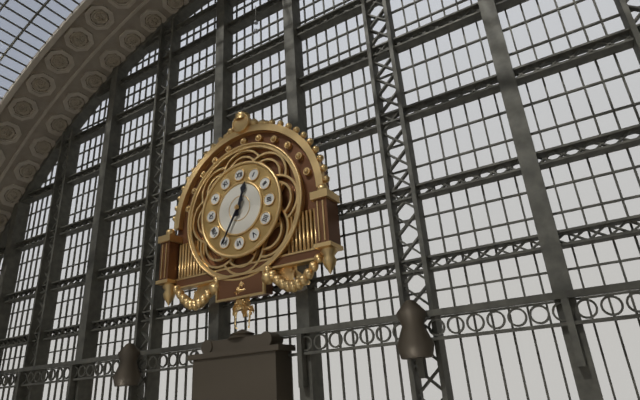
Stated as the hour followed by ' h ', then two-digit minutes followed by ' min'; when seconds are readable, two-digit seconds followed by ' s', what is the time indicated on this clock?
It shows 12 h 35 min
